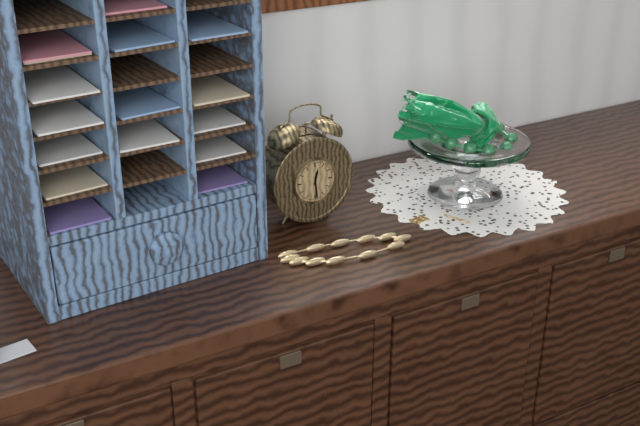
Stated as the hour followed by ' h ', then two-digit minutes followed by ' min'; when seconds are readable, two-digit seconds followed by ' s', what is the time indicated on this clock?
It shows 12 h 29 min
